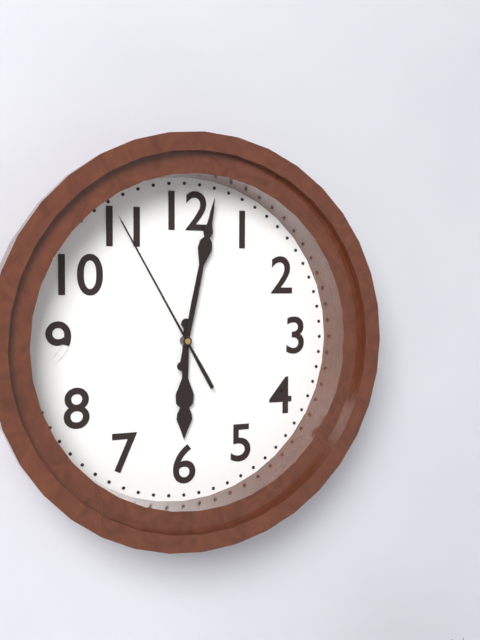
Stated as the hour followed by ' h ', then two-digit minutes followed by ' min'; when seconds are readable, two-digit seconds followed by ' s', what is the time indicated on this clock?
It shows 6 h 02 min 55 s
